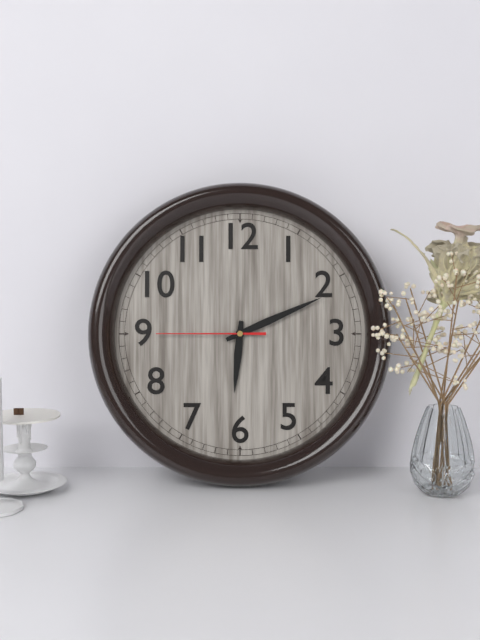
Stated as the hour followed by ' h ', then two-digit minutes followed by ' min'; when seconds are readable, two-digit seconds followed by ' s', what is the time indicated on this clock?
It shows 6 h 11 min 45 s
